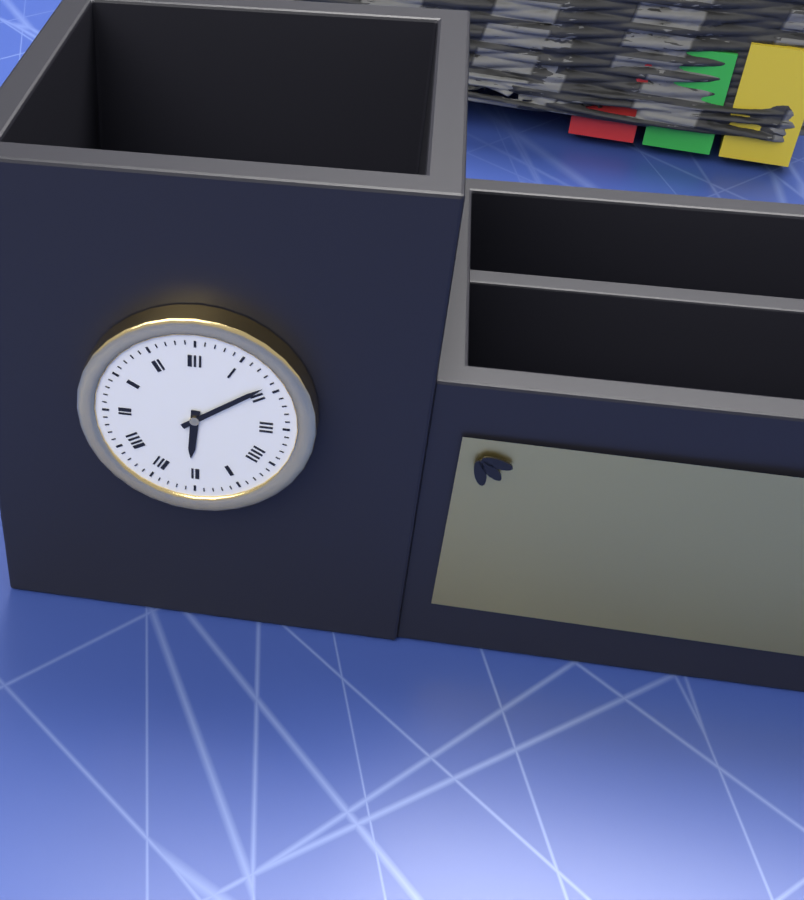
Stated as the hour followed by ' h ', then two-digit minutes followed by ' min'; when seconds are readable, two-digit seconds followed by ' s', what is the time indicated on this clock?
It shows 6 h 09 min
